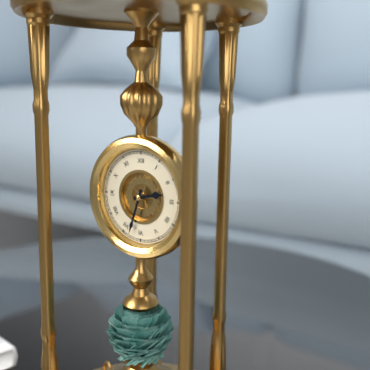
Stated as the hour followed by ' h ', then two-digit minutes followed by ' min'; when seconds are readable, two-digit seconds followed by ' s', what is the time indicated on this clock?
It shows 2 h 33 min
